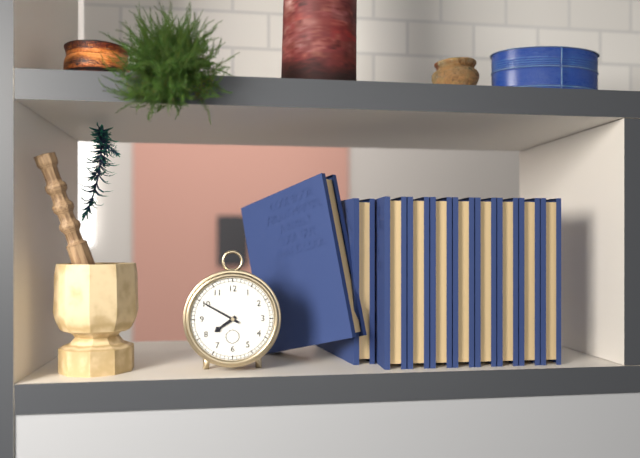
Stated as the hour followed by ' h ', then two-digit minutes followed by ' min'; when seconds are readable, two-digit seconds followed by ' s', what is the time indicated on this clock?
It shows 7 h 50 min
